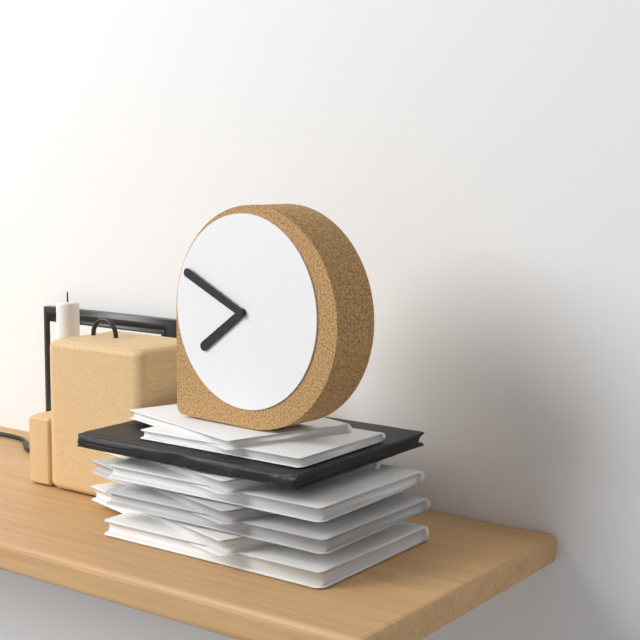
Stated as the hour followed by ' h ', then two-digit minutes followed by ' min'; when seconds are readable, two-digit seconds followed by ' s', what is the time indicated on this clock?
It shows 7 h 49 min
